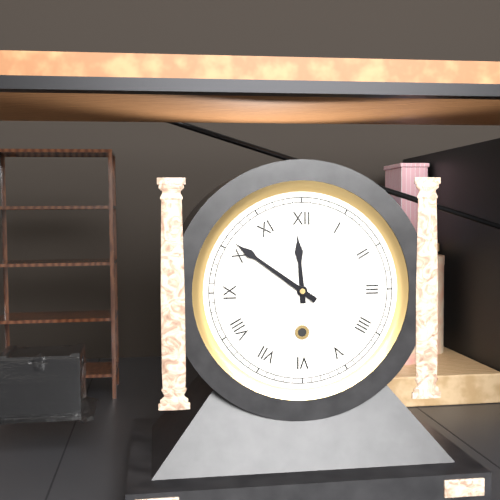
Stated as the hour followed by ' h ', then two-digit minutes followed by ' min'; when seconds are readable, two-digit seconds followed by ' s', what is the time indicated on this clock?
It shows 11 h 51 min
